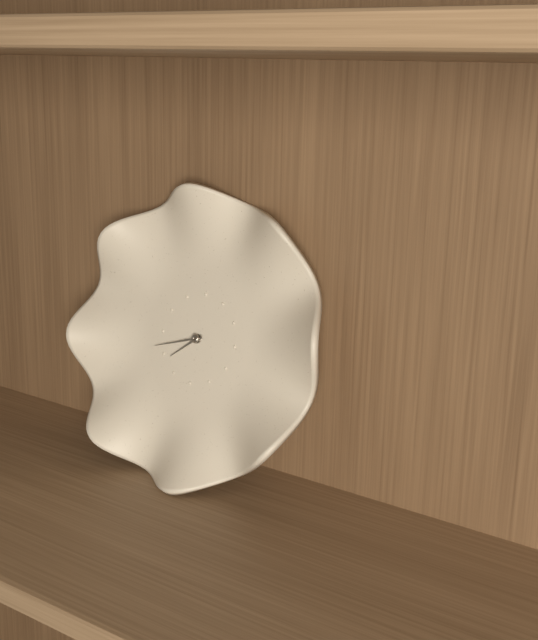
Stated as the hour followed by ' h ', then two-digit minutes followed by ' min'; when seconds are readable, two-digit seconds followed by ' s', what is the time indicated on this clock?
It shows 7 h 42 min
